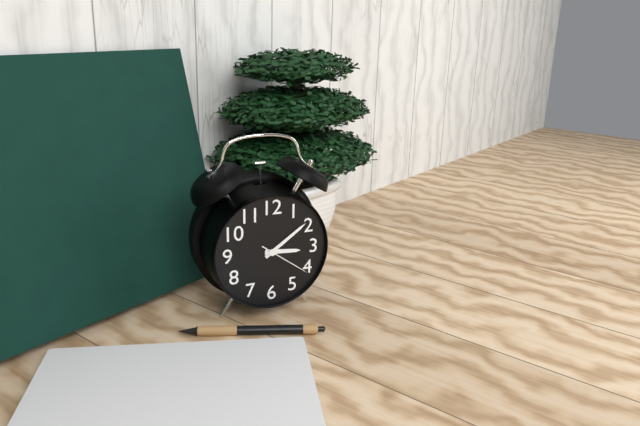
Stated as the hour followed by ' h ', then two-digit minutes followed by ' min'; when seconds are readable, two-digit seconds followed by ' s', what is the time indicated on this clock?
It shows 3 h 09 min 21 s
